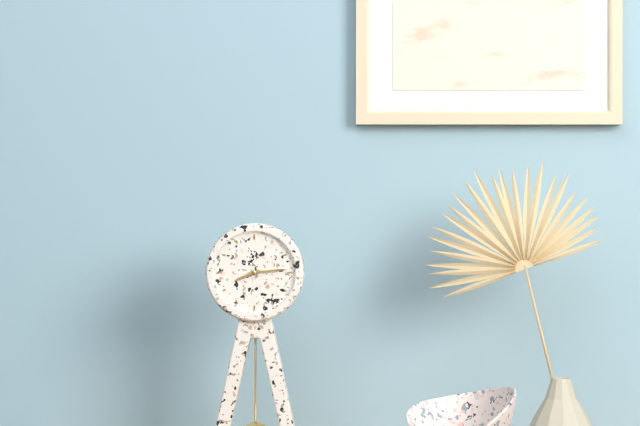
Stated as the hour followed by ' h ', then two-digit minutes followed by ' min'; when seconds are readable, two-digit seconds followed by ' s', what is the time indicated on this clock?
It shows 8 h 14 min
